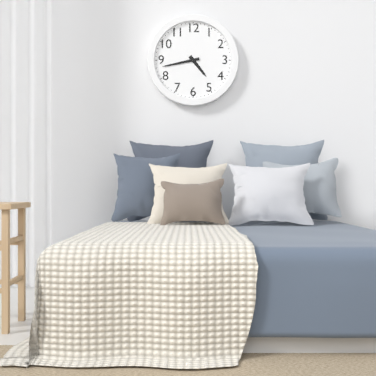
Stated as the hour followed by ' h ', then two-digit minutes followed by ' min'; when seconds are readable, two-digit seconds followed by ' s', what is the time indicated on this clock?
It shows 4 h 43 min
